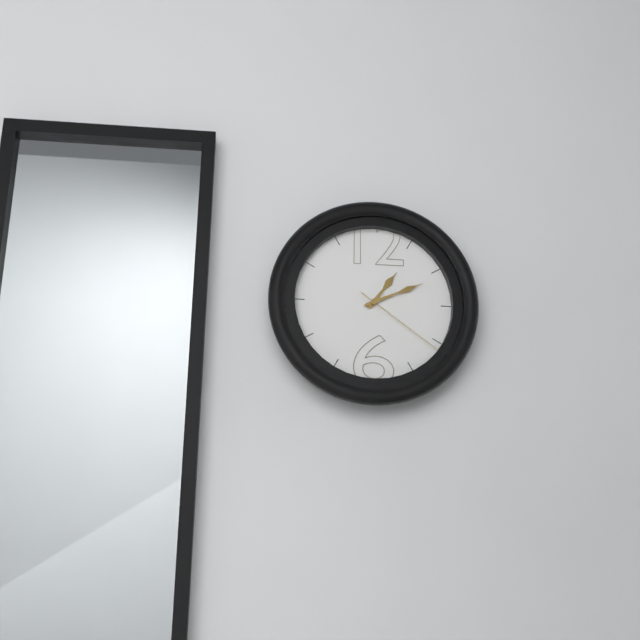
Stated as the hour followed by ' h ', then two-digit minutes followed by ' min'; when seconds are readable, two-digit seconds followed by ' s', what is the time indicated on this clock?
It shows 1 h 11 min 21 s
